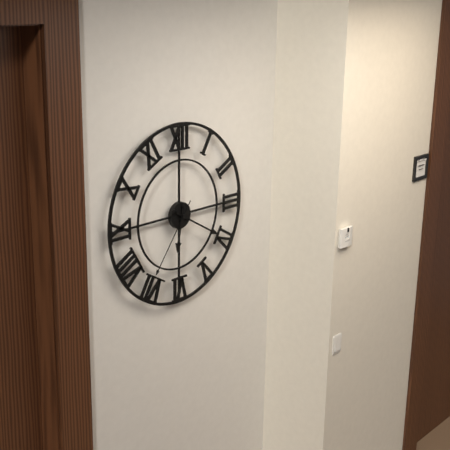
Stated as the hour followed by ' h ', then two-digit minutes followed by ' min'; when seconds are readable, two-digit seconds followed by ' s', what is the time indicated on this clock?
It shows 6 h 20 min 36 s
